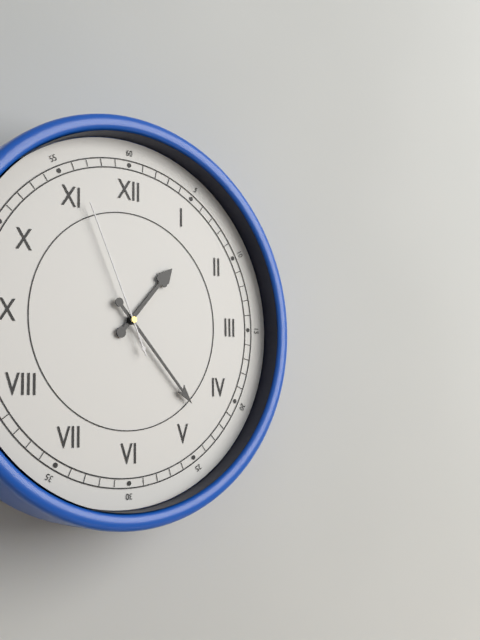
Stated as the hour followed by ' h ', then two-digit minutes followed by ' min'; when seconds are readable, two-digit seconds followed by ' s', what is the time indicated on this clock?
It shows 1 h 23 min 56 s
